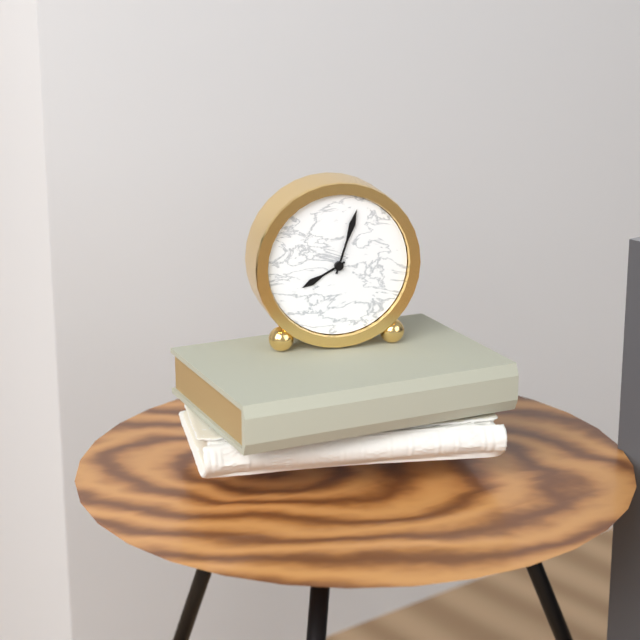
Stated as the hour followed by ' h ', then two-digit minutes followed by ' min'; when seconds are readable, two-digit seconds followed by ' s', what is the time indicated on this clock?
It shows 8 h 03 min
